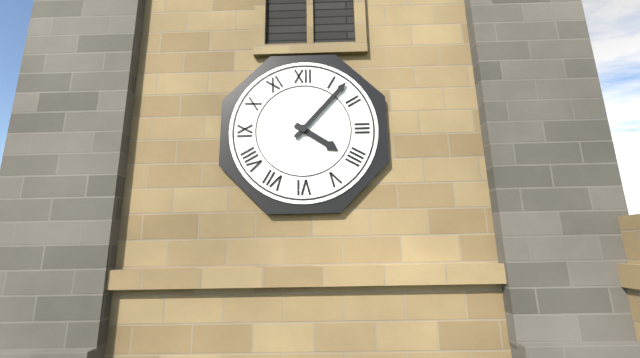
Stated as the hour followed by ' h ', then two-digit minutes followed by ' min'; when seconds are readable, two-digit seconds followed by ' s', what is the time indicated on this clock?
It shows 4 h 07 min
